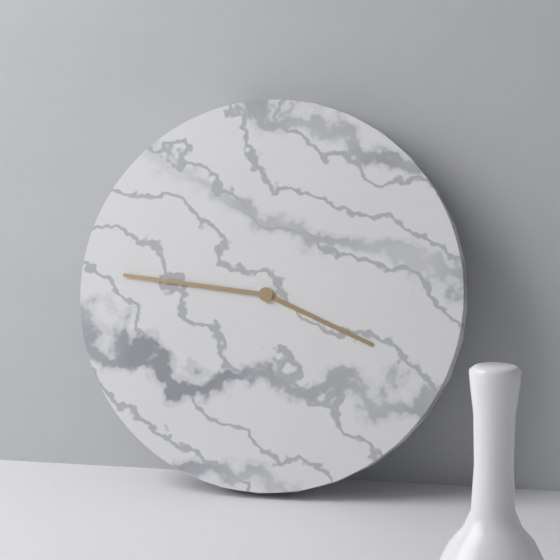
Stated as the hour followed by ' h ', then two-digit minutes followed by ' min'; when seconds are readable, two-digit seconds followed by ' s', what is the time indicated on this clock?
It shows 3 h 46 min
